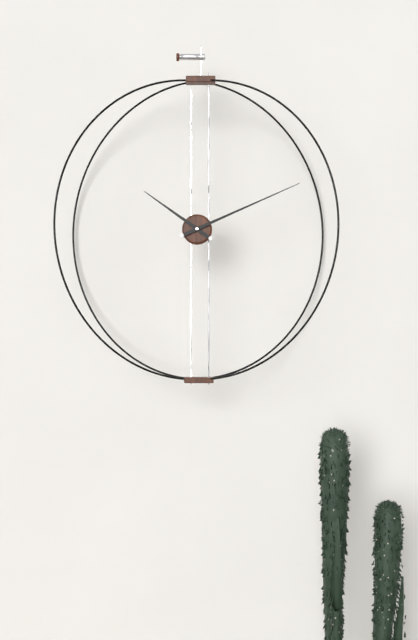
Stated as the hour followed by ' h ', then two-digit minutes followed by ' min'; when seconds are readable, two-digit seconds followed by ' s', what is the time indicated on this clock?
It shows 10 h 11 min
